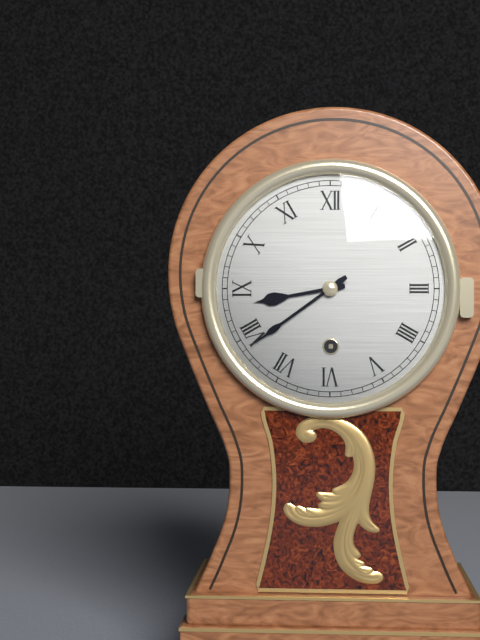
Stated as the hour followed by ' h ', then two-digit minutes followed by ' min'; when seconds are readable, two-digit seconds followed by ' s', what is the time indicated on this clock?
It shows 8 h 39 min
